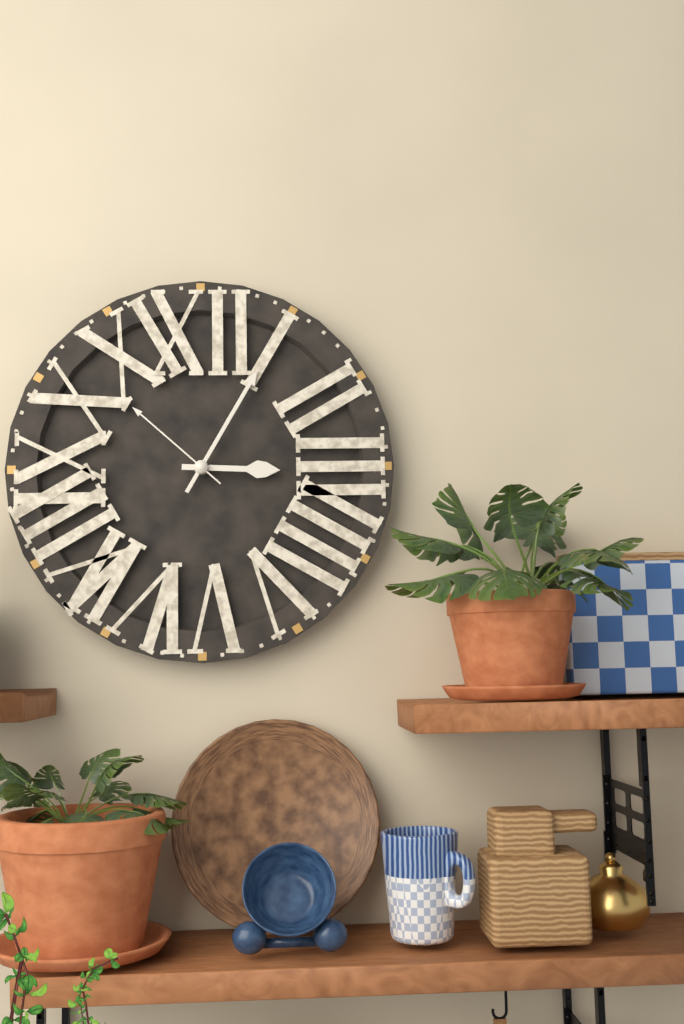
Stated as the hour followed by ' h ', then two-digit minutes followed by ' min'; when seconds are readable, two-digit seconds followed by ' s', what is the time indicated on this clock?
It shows 3 h 05 min 52 s
